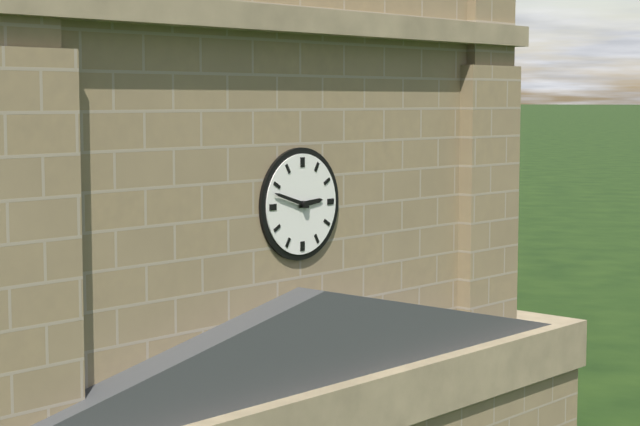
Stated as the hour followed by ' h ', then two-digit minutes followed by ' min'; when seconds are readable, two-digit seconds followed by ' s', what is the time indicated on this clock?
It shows 2 h 48 min
